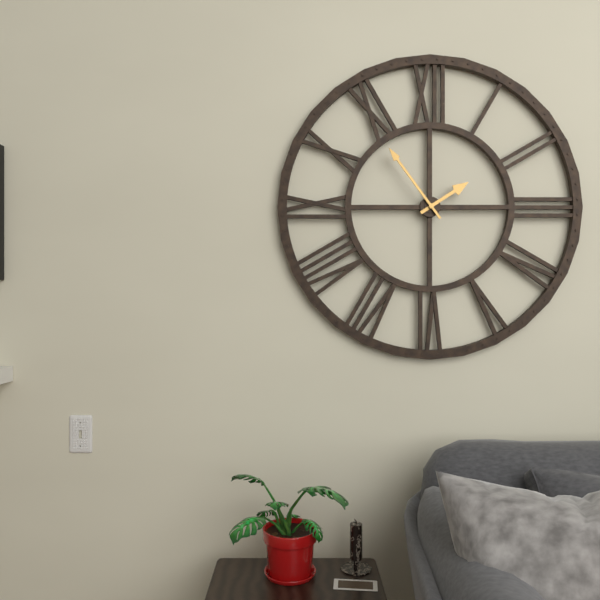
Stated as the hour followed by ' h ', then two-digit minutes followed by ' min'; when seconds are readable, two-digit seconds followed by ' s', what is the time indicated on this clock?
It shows 1 h 54 min
